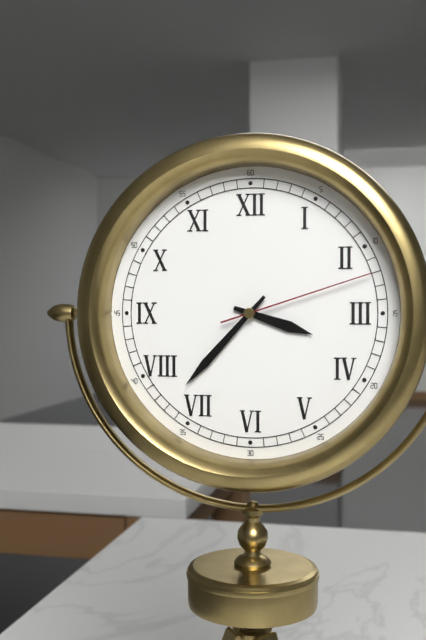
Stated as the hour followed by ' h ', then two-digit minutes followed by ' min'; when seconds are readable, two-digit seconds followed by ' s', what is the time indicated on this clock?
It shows 3 h 37 min 12 s
